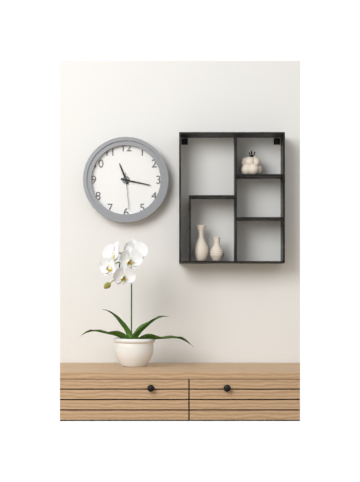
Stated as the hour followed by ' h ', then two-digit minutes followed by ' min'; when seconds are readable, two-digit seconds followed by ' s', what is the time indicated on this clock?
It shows 11 h 17 min
